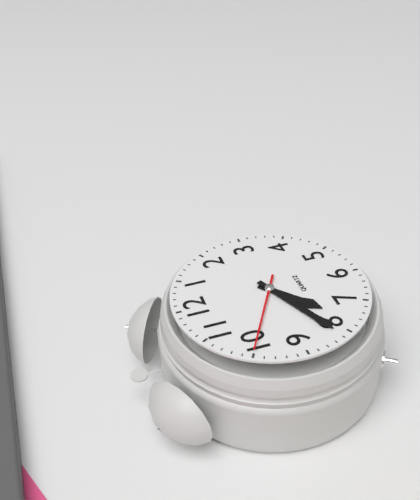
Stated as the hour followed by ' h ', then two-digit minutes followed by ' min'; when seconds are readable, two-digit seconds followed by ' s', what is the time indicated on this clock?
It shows 7 h 41 min 50 s
